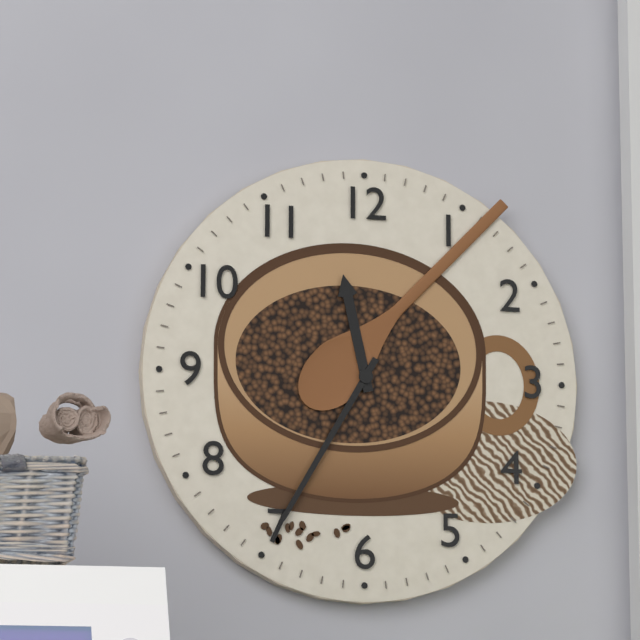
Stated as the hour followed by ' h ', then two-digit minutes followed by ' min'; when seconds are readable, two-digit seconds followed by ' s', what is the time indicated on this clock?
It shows 11 h 35 min
